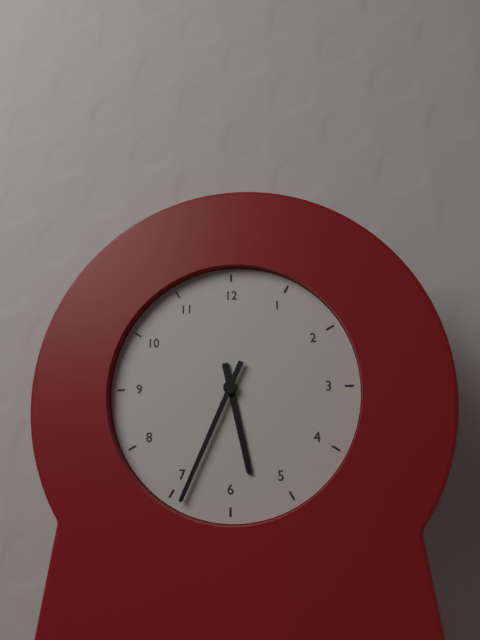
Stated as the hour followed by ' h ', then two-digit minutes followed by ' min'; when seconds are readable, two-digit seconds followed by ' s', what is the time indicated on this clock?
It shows 5 h 34 min
